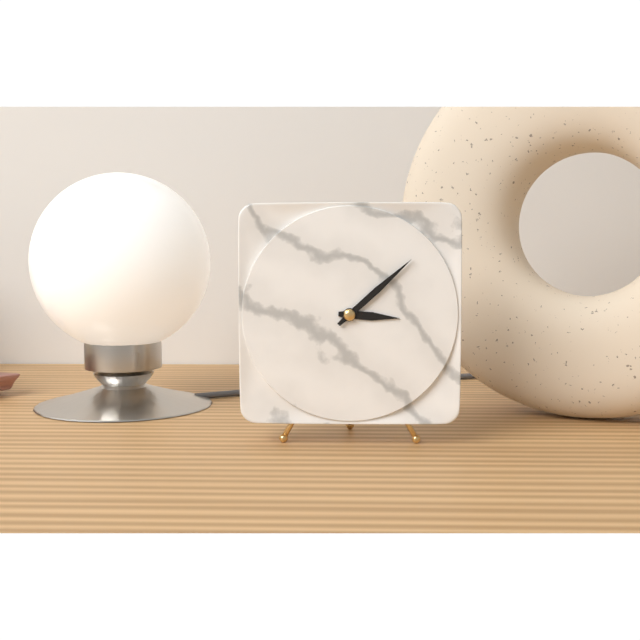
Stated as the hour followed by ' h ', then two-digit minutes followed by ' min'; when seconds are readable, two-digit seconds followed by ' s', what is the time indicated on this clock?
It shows 3 h 08 min
